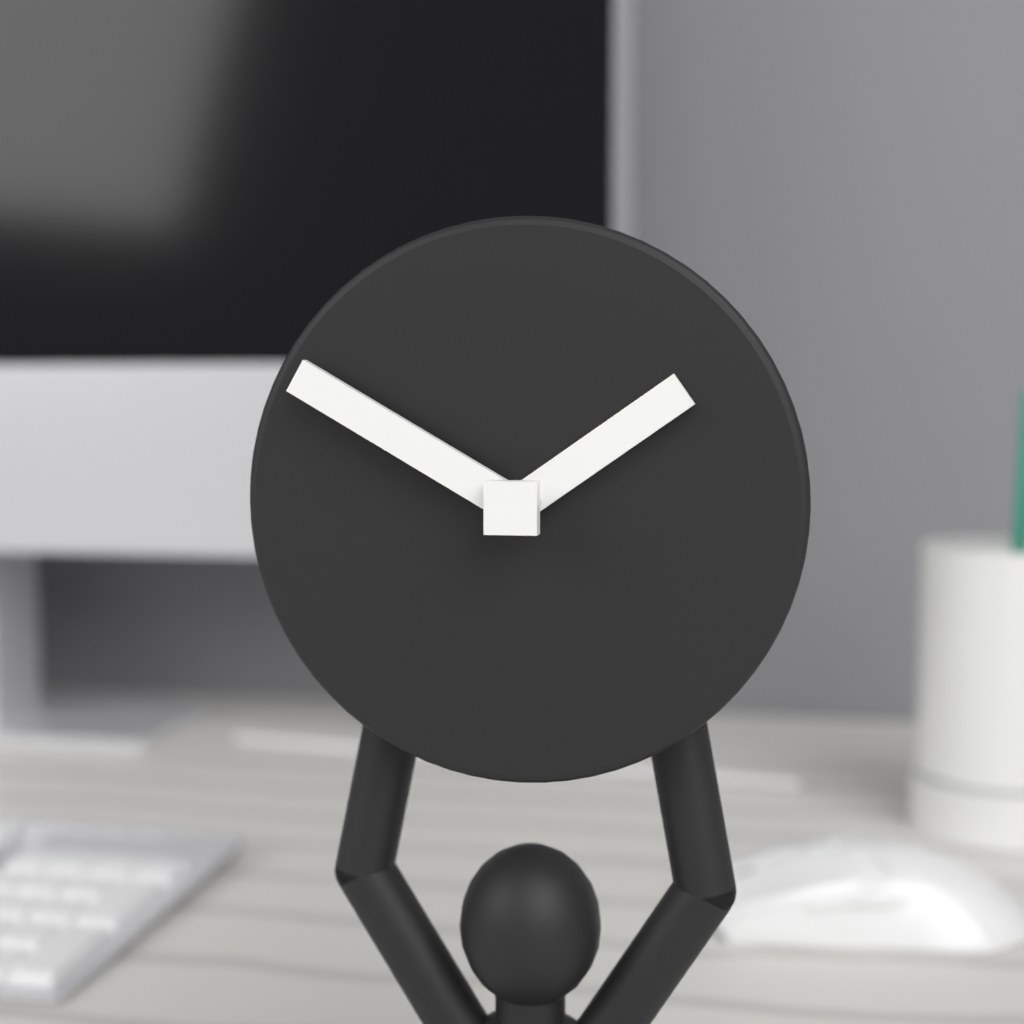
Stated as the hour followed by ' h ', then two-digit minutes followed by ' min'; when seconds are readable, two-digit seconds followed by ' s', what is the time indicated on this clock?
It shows 1 h 50 min
